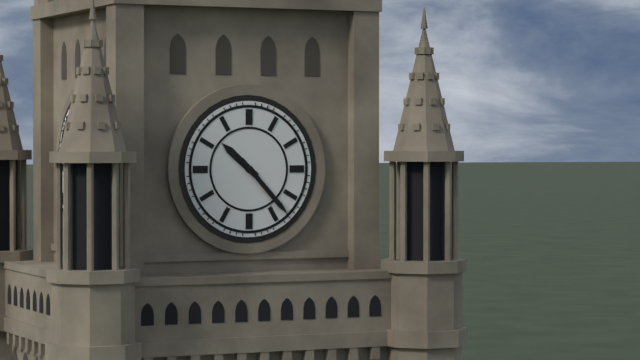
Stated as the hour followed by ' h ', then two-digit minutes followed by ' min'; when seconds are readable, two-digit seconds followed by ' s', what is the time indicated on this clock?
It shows 10 h 23 min
